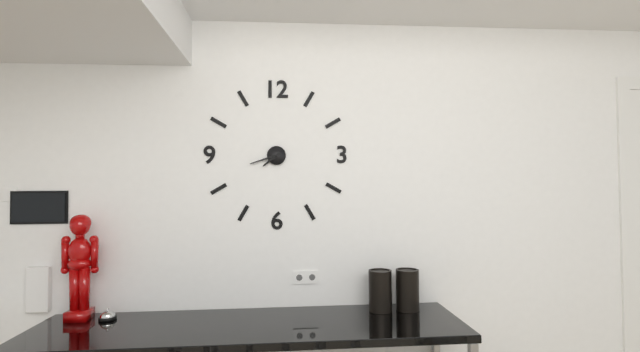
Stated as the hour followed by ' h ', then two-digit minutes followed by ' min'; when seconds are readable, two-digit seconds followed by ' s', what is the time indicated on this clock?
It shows 7 h 42 min
